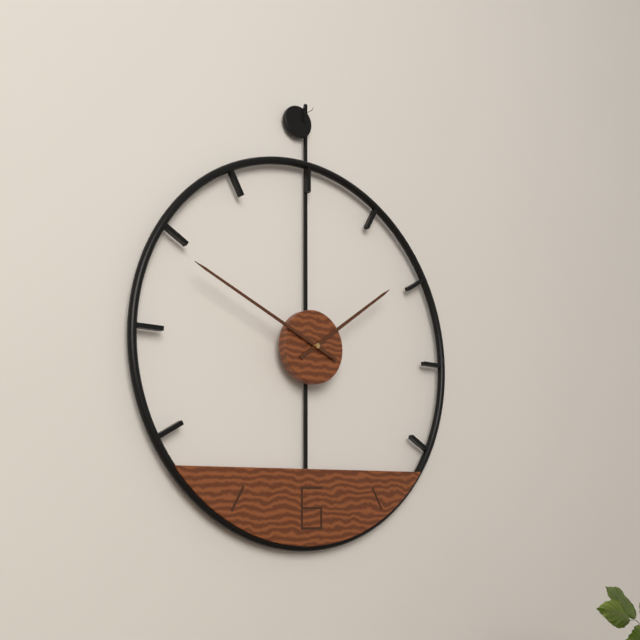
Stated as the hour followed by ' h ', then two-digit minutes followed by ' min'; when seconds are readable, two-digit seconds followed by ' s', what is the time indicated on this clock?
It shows 1 h 49 min
